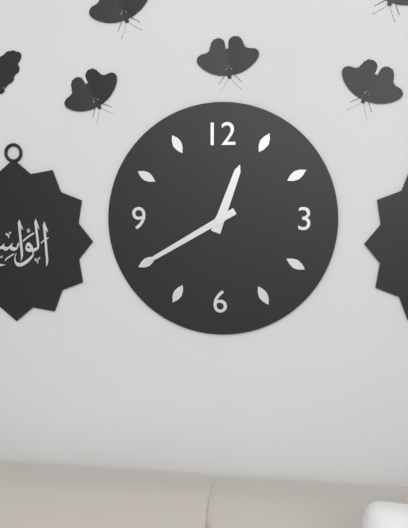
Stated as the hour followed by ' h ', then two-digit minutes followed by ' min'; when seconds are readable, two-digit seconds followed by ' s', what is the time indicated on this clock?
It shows 12 h 40 min
